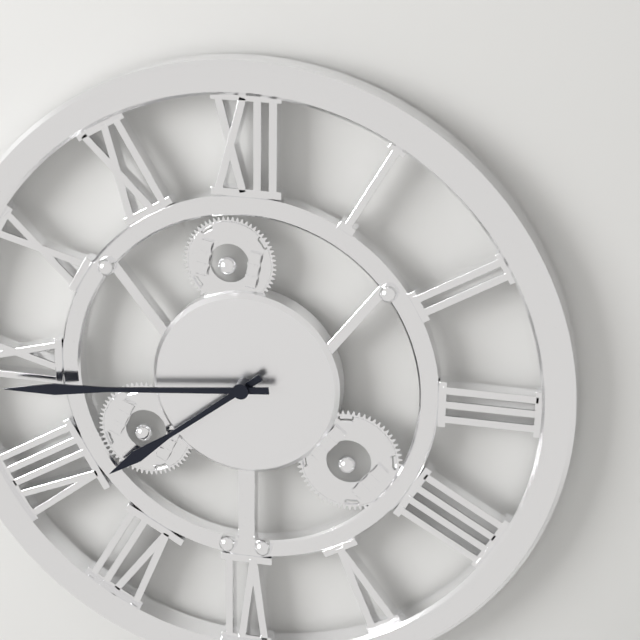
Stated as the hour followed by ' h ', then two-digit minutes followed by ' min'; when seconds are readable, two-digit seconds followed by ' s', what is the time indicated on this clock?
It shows 7 h 44 min
